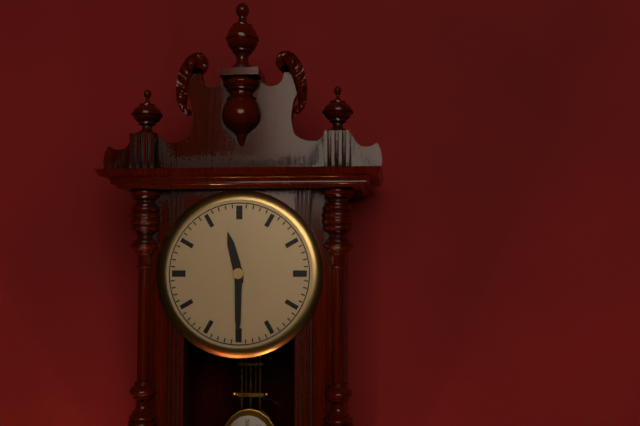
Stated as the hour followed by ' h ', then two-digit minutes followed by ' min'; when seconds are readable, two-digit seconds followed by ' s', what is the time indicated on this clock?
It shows 11 h 30 min
